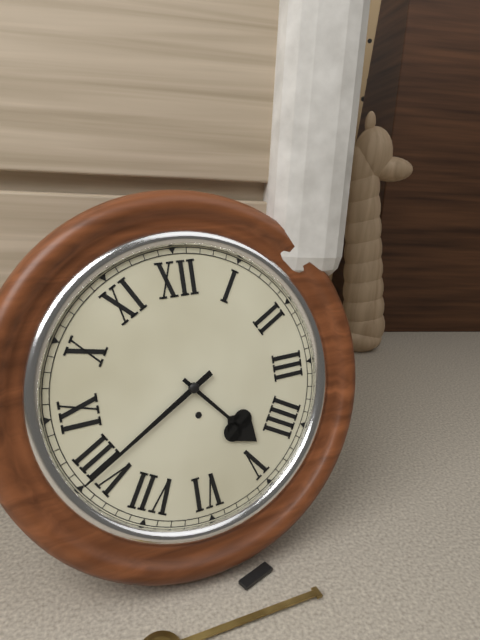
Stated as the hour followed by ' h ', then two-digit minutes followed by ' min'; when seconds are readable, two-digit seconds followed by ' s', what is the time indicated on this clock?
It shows 4 h 40 min
